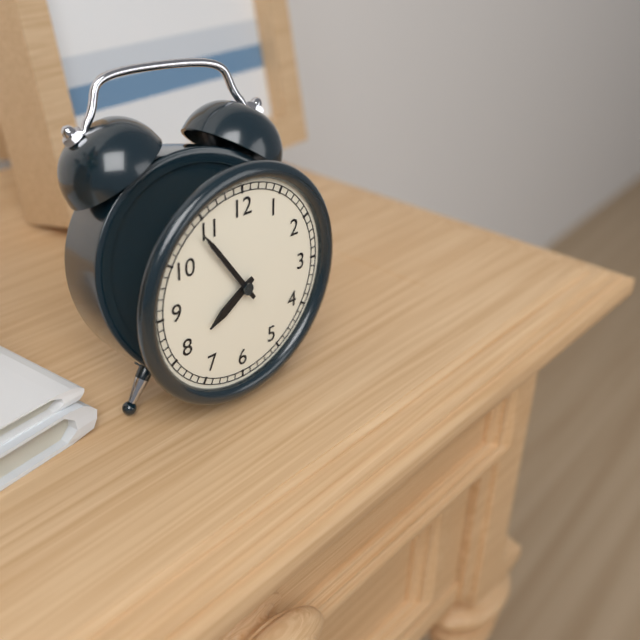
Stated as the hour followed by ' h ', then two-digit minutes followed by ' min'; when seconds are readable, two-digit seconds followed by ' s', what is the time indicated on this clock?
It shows 7 h 54 min
